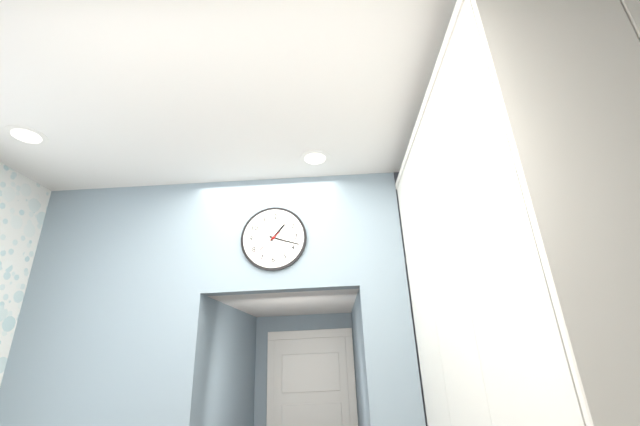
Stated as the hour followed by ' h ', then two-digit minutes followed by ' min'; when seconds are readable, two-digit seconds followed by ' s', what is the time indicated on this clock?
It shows 1 h 18 min
